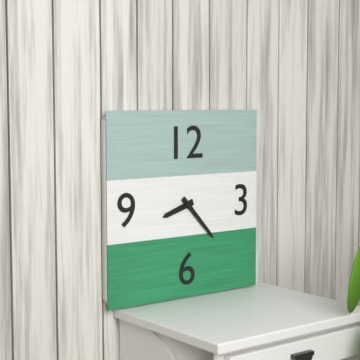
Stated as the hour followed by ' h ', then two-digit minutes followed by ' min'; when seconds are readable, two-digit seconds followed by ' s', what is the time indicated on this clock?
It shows 8 h 23 min
